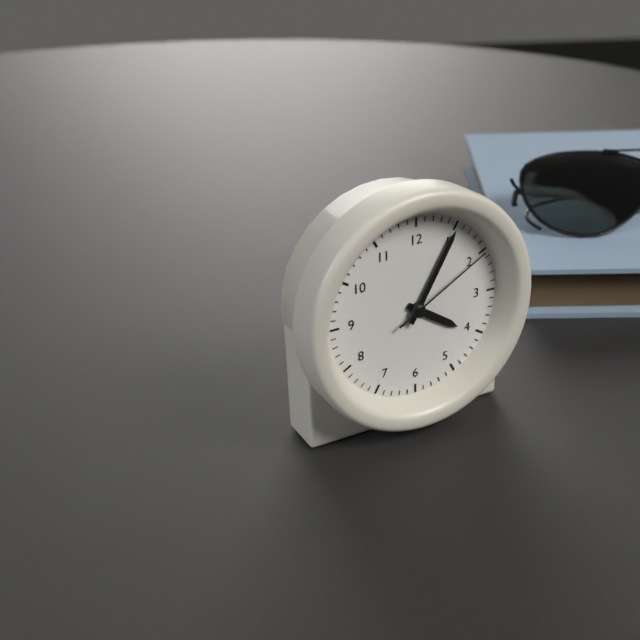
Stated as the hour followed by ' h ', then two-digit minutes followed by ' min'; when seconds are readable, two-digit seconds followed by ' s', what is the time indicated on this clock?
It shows 4 h 05 min 10 s
